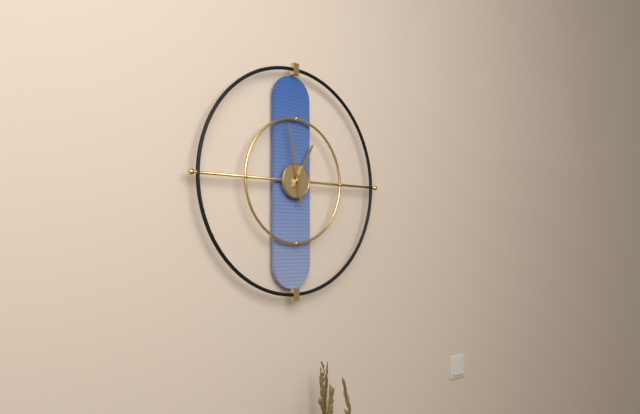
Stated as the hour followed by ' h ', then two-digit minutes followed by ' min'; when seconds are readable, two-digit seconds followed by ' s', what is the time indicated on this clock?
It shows 12 h 58 min
